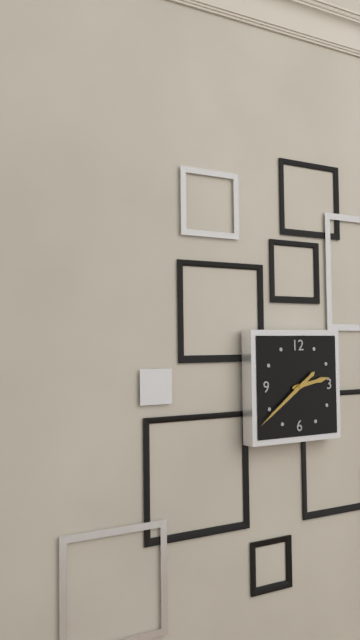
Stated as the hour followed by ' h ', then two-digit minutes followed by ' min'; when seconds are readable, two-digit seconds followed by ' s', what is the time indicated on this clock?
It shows 2 h 39 min
